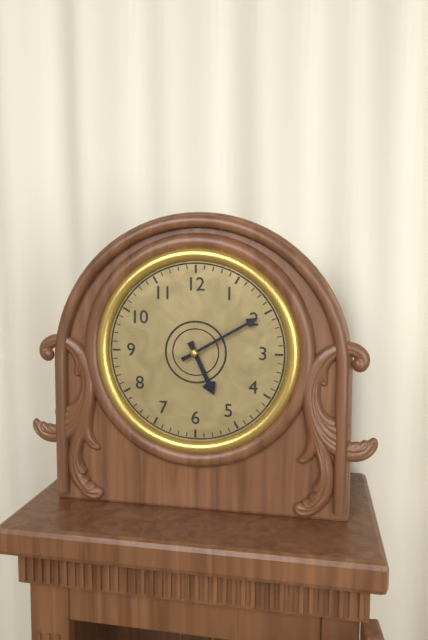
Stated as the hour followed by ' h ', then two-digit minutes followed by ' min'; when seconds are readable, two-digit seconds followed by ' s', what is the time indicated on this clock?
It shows 5 h 10 min
